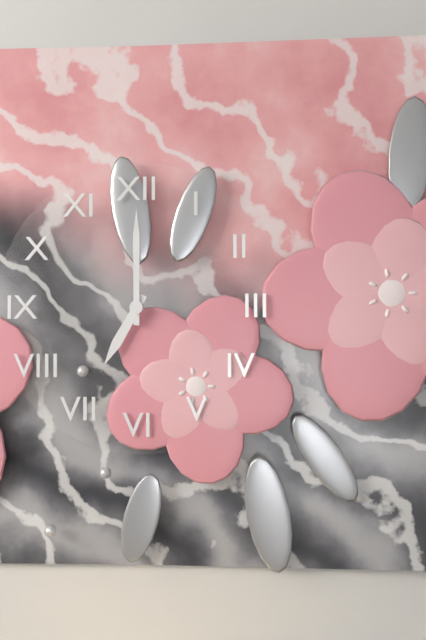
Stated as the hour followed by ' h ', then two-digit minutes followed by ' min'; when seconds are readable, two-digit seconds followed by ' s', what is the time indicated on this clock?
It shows 7 h 00 min
